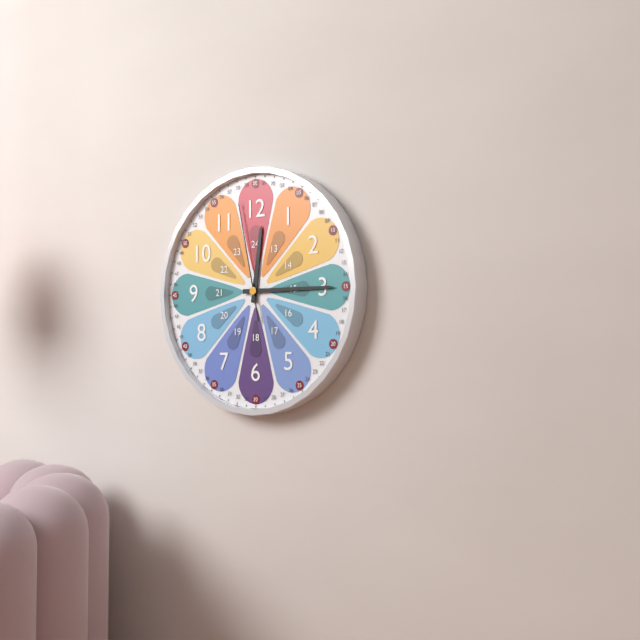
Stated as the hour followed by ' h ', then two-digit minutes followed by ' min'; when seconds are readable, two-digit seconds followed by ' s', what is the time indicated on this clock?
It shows 12 h 15 min 58 s
